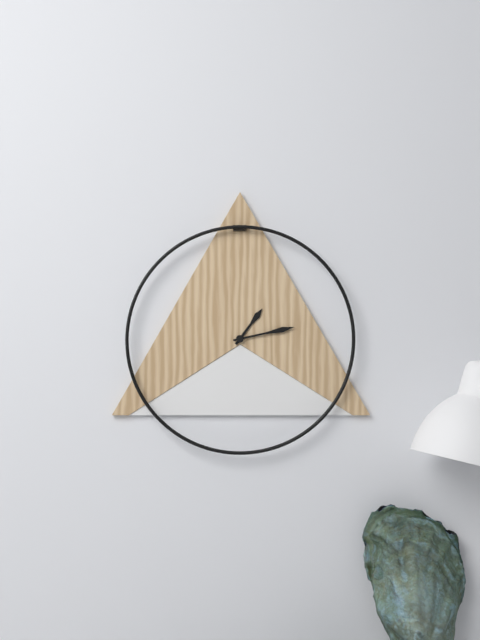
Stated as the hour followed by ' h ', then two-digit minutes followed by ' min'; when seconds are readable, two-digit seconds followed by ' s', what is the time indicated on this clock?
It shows 1 h 13 min
